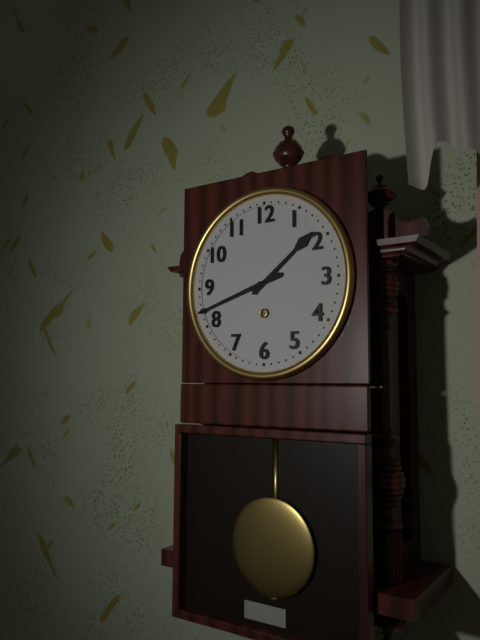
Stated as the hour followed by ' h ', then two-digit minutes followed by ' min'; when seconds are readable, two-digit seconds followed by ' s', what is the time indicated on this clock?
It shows 1 h 42 min
